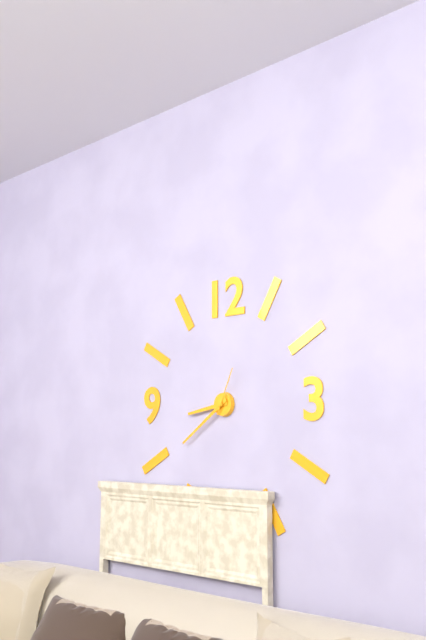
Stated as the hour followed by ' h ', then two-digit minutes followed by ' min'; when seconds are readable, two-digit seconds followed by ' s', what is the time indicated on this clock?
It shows 8 h 39 min
